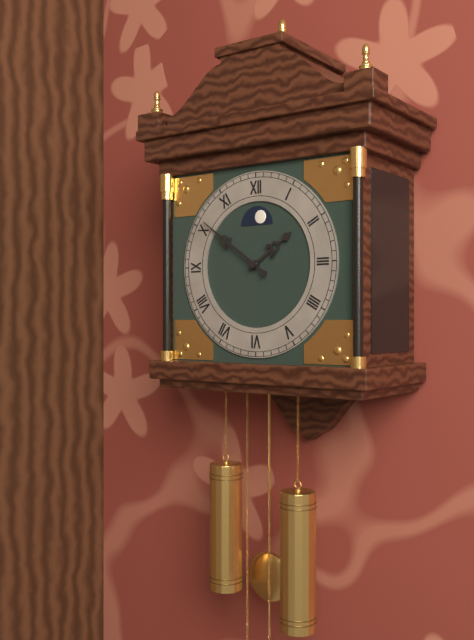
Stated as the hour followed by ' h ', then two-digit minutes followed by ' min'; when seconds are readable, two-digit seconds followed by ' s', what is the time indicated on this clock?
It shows 1 h 51 min
